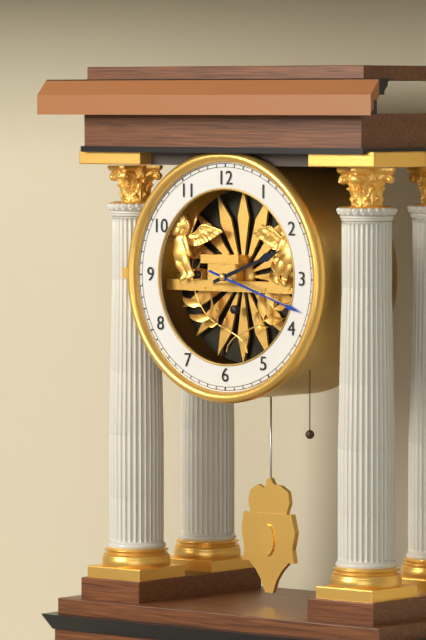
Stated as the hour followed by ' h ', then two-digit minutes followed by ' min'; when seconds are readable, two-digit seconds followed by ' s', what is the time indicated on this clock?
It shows 2 h 18 min
